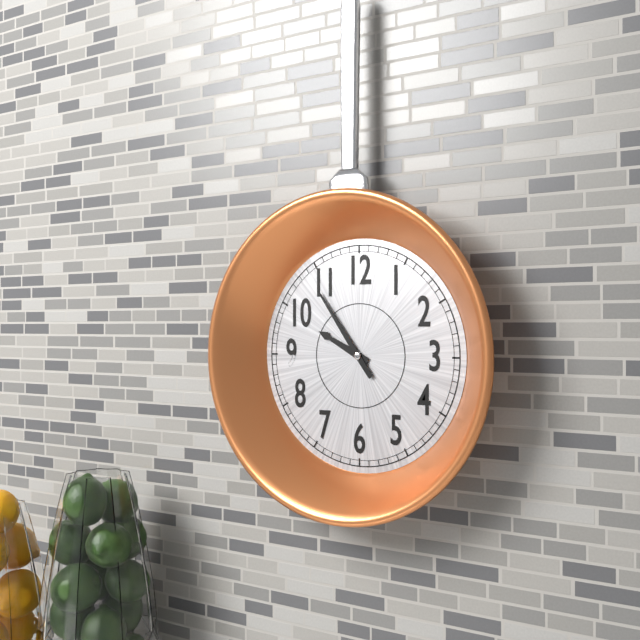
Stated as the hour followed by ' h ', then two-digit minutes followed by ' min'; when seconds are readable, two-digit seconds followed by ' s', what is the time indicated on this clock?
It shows 9 h 54 min
